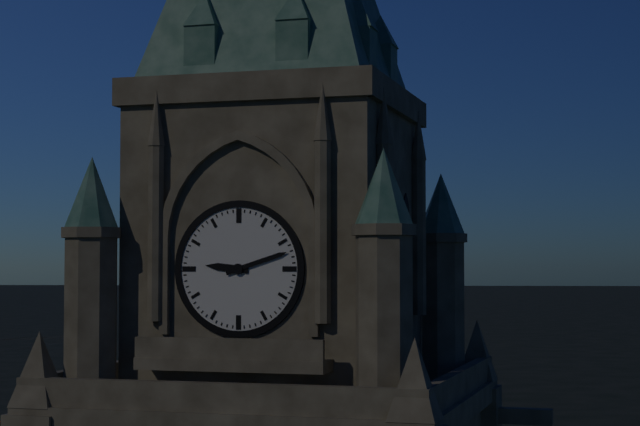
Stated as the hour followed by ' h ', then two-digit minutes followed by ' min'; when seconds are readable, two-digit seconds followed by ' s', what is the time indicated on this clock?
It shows 9 h 12 min
